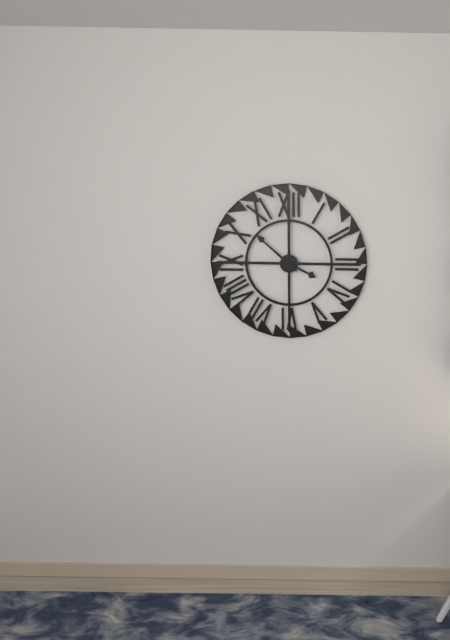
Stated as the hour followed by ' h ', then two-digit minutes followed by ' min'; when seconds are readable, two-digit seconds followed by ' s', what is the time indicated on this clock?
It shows 3 h 52 min
